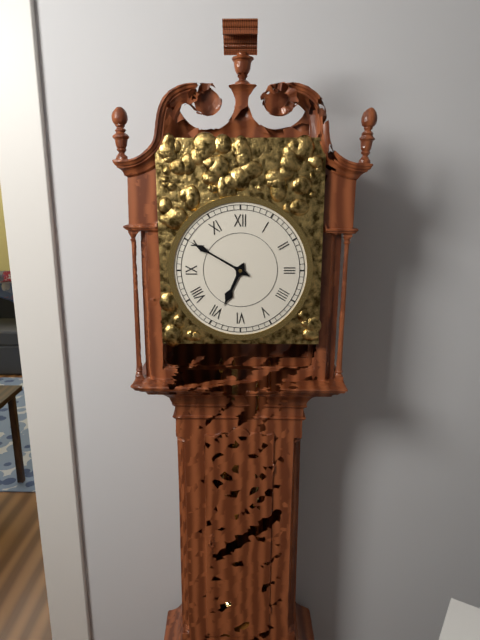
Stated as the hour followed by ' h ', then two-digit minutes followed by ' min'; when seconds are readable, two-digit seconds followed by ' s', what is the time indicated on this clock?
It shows 6 h 50 min
